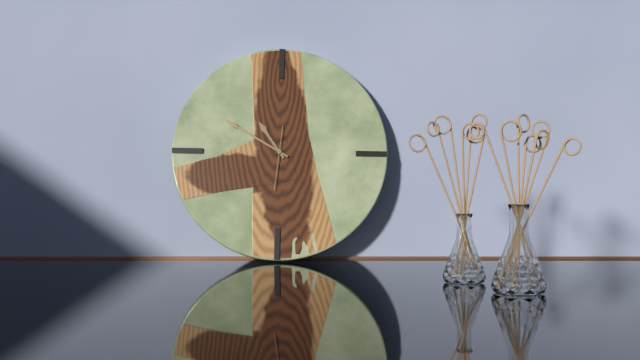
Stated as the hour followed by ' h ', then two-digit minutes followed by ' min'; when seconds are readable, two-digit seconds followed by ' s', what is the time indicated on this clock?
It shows 10 h 50 min
